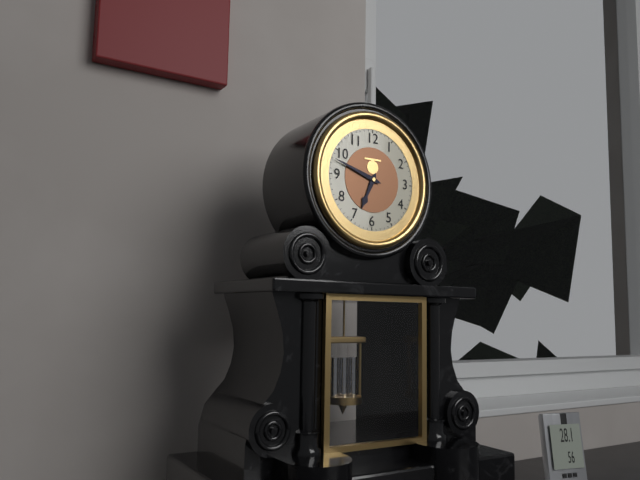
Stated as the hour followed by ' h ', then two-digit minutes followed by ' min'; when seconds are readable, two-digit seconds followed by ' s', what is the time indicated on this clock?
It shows 6 h 48 min
